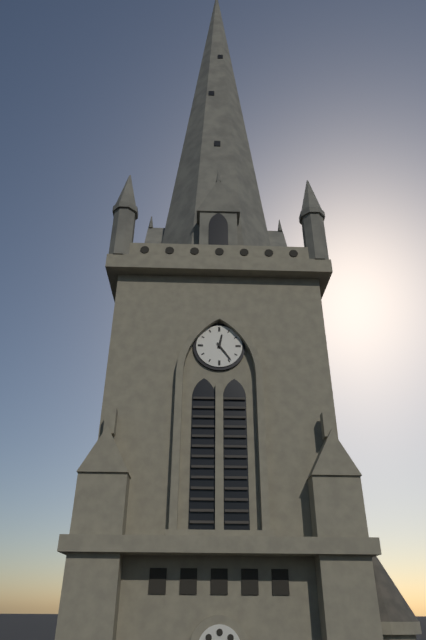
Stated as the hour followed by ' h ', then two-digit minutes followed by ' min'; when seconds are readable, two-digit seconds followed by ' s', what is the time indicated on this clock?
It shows 12 h 24 min
